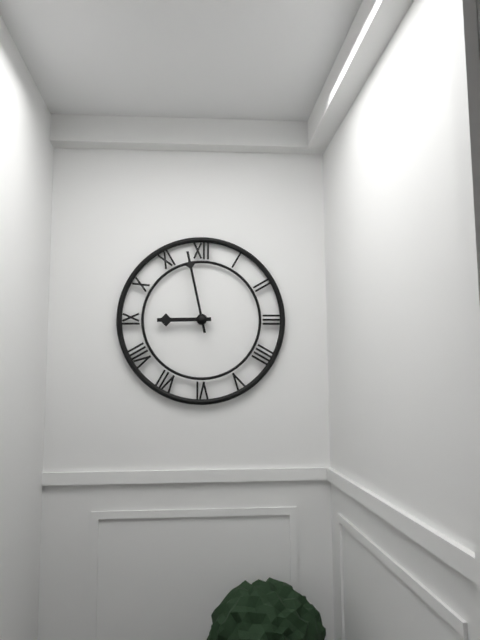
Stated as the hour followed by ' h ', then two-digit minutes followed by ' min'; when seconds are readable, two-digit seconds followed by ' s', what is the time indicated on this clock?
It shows 8 h 58 min
